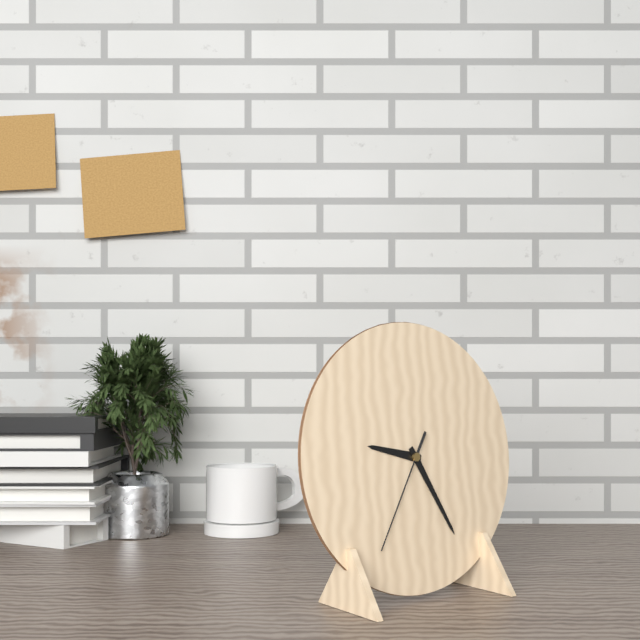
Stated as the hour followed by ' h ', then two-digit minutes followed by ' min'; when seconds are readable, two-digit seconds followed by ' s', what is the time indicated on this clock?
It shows 9 h 25 min 35 s
